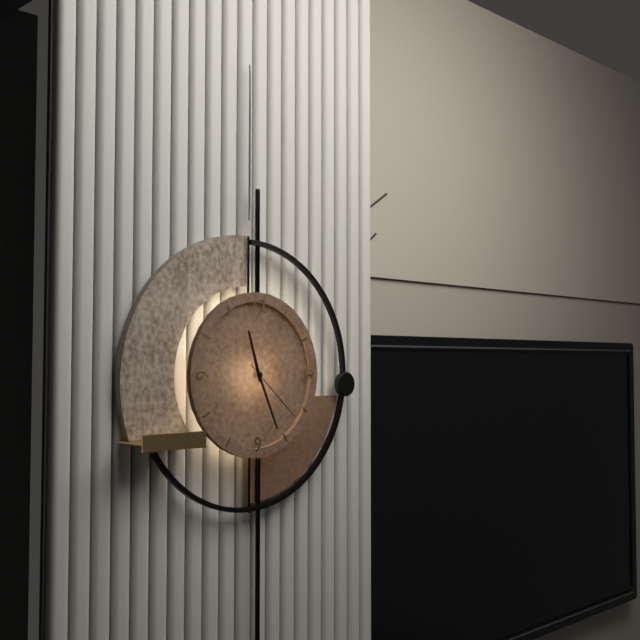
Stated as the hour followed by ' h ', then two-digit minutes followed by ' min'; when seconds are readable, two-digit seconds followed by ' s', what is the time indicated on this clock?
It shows 11 h 26 min 22 s
